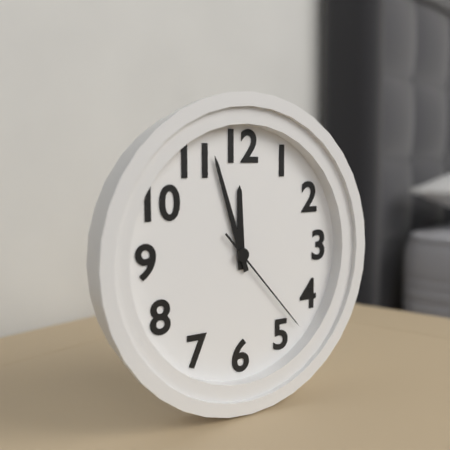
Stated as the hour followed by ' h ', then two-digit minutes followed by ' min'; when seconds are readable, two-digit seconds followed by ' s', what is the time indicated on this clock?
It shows 11 h 57 min 23 s
